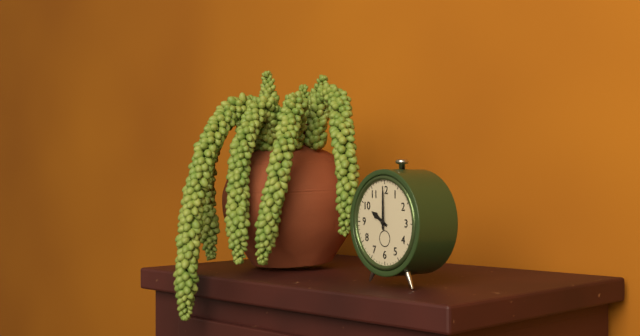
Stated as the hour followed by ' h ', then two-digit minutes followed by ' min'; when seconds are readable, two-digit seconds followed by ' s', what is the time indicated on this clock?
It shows 10 h 00 min
